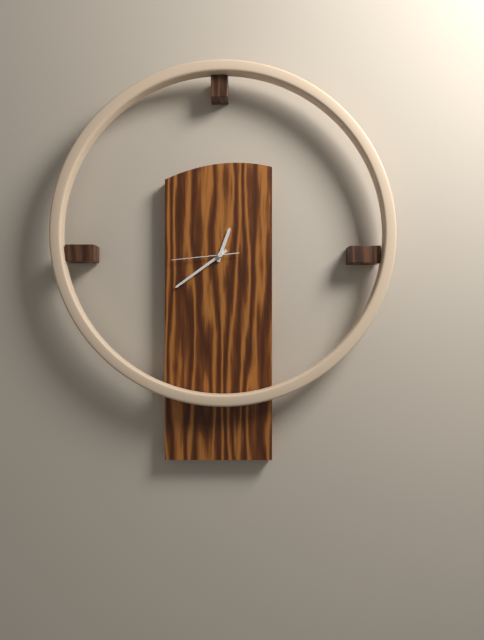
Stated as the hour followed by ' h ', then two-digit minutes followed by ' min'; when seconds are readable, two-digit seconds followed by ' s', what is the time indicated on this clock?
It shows 12 h 39 min 44 s
